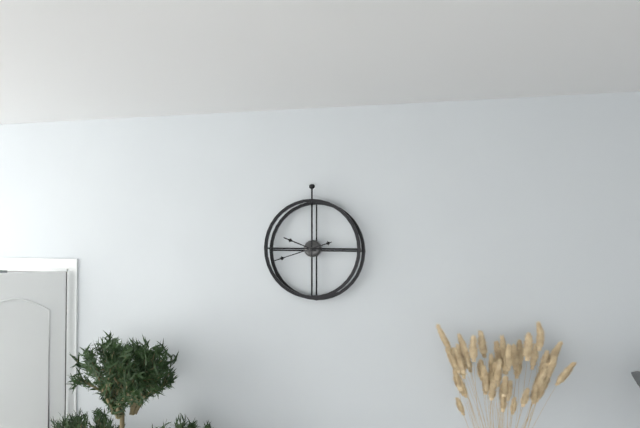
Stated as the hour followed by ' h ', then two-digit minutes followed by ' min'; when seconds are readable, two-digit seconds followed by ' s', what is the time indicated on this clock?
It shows 9 h 42 min
